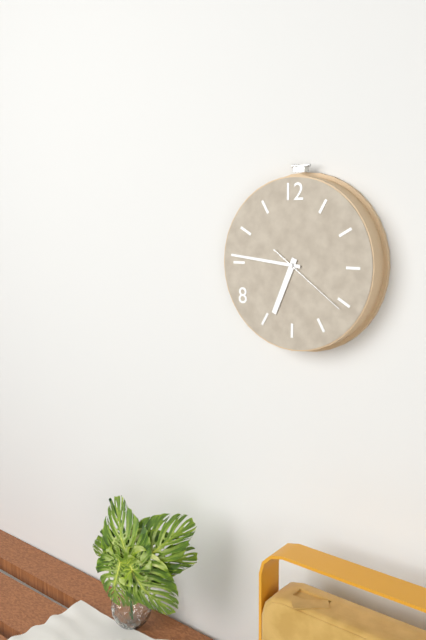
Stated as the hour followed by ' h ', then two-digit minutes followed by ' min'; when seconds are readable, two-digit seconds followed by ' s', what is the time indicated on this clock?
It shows 6 h 46 min 21 s
